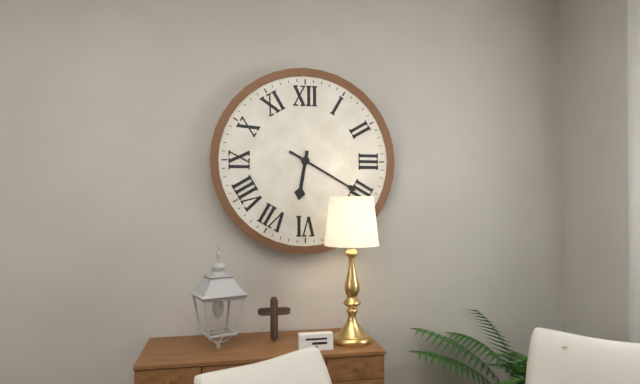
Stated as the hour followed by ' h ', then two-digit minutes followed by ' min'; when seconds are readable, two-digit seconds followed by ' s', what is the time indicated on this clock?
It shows 6 h 20 min
